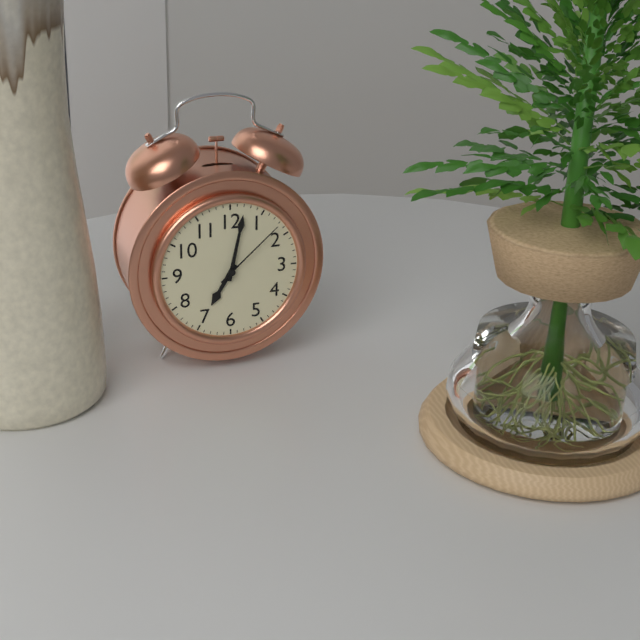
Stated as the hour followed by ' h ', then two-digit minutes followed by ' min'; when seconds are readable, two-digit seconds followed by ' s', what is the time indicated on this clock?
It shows 7 h 02 min 08 s
